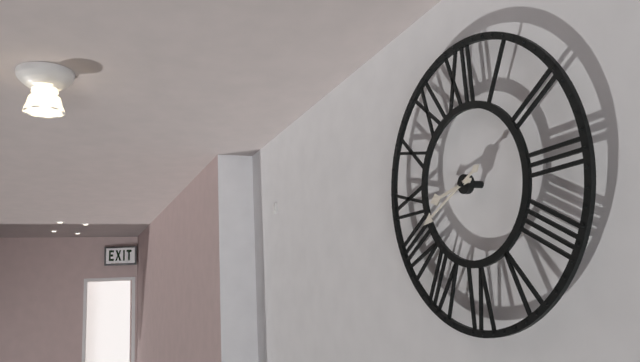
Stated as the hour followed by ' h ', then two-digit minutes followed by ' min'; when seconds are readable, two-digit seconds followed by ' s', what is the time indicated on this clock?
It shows 8 h 41 min
